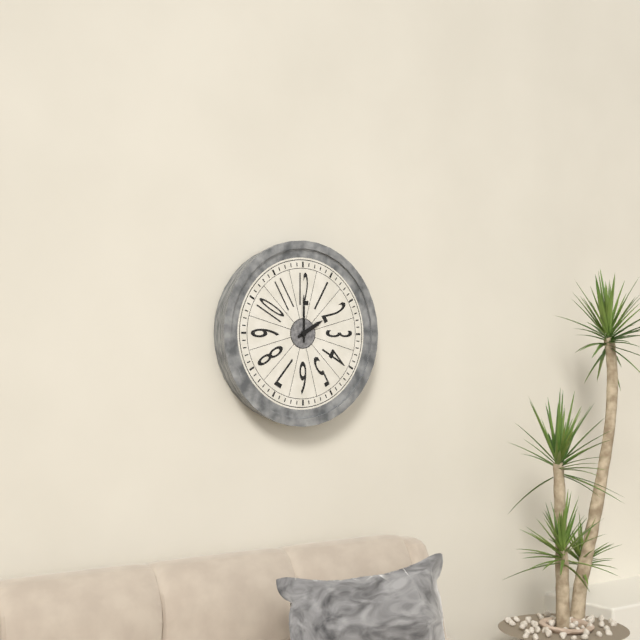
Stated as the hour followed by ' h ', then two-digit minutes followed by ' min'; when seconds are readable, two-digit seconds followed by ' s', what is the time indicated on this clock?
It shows 2 h 00 min
